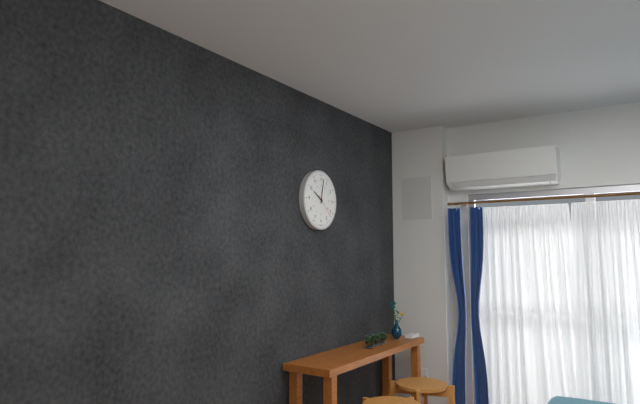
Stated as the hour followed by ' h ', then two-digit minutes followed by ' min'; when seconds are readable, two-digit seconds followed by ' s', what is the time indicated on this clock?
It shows 10 h 02 min
